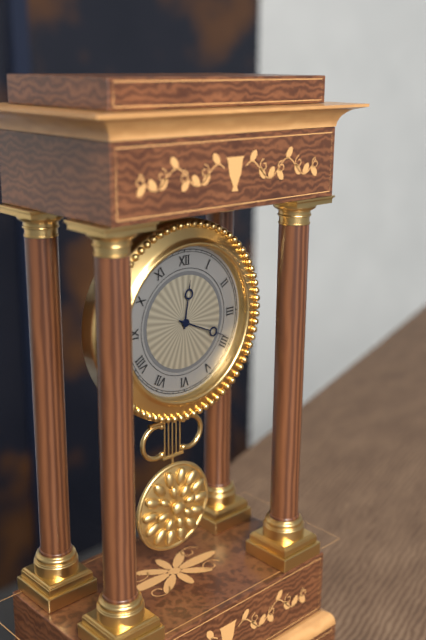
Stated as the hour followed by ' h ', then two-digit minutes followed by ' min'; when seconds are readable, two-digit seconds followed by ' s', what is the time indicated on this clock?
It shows 12 h 19 min
